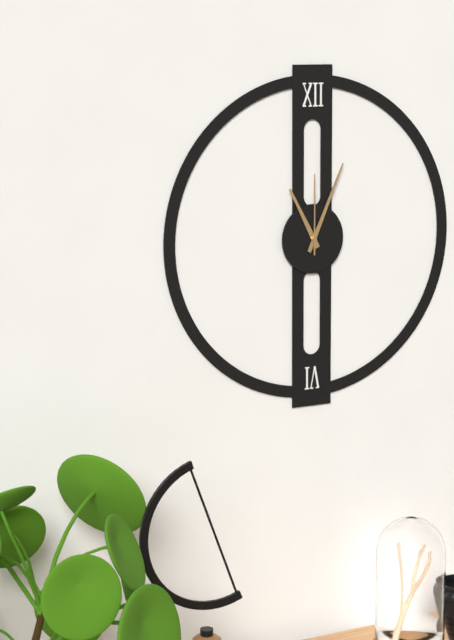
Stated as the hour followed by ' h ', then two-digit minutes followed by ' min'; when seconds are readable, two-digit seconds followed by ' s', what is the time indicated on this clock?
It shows 11 h 04 min 00 s
